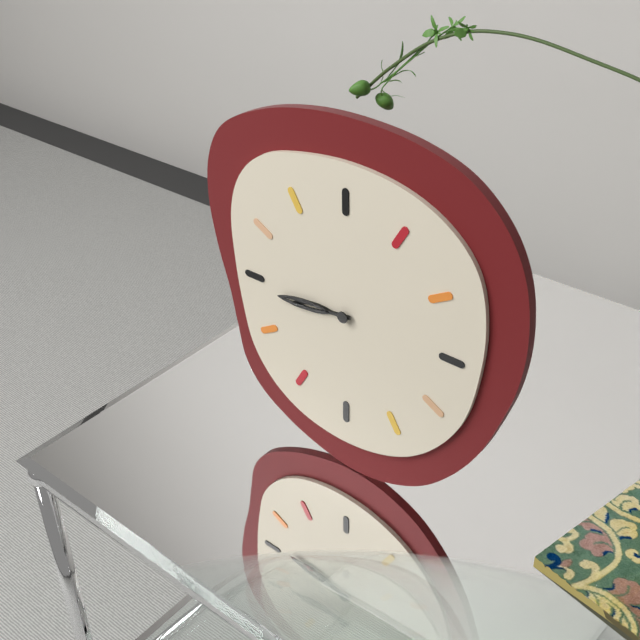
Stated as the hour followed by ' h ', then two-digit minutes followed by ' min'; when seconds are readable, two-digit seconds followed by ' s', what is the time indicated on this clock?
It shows 8 h 44 min
